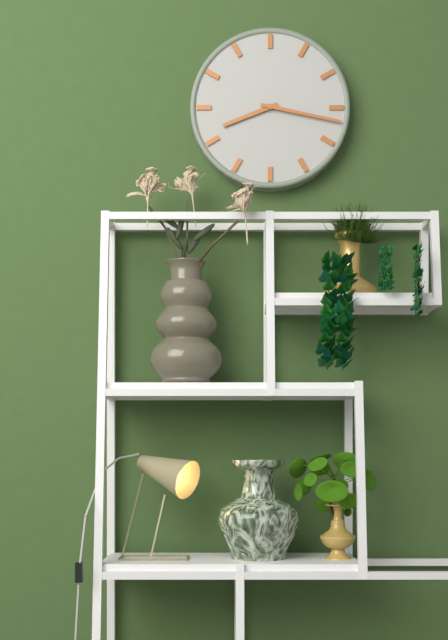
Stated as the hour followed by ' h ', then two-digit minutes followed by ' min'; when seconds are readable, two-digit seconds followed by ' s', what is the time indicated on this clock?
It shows 8 h 17 min
